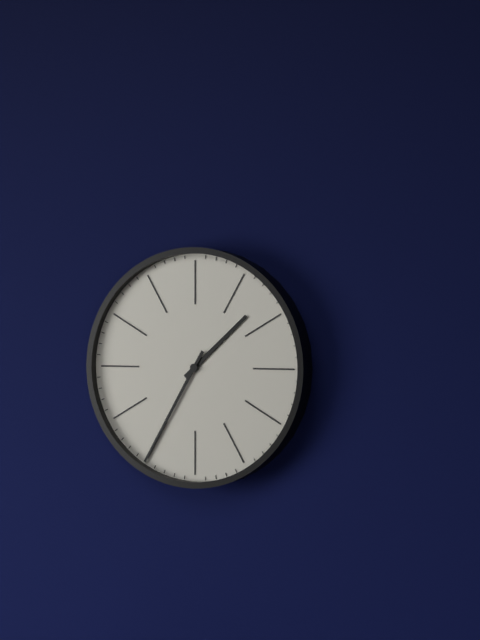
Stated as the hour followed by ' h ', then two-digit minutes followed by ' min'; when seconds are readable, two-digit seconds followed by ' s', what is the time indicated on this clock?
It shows 1 h 35 min
